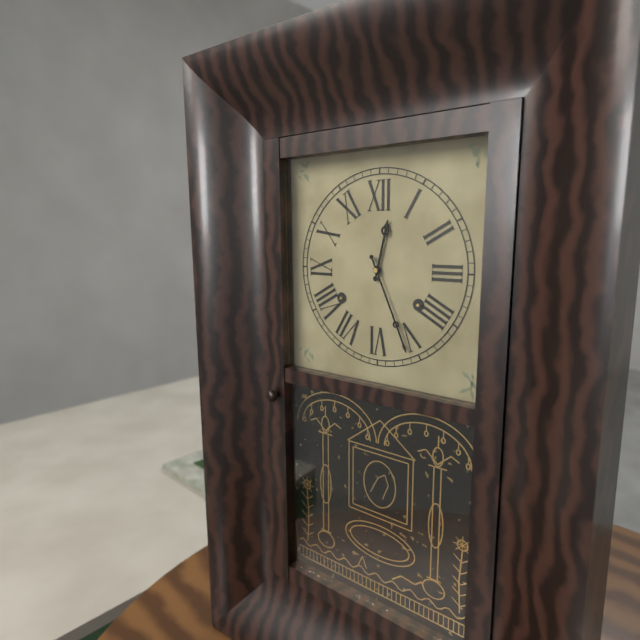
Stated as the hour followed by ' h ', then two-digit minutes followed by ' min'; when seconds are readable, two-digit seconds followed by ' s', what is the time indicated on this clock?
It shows 12 h 26 min
